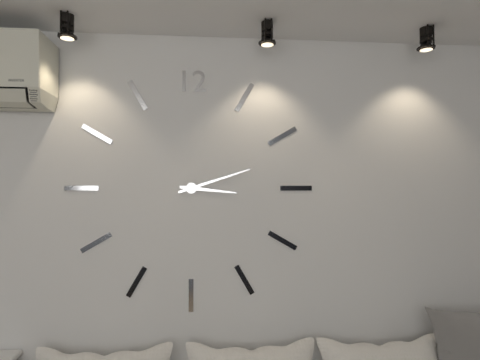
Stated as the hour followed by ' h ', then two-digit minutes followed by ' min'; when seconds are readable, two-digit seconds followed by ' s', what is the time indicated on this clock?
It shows 3 h 12 min
